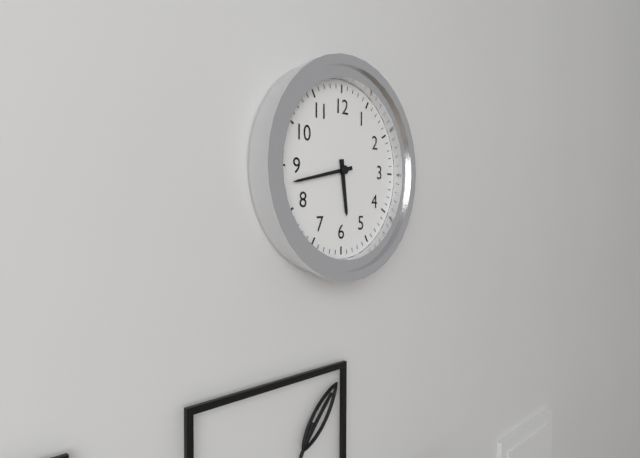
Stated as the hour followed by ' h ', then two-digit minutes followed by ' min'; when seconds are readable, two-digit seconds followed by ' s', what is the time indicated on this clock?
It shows 5 h 43 min
